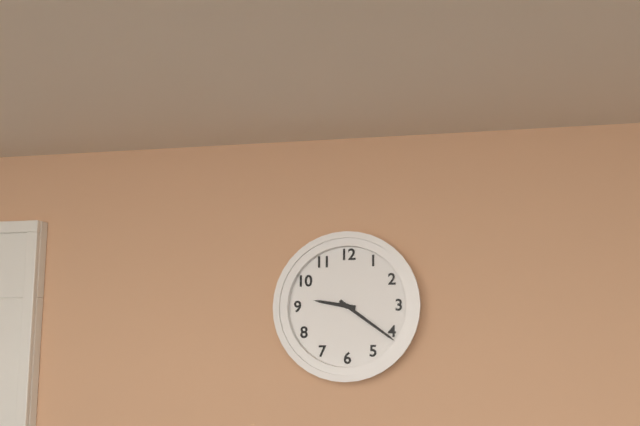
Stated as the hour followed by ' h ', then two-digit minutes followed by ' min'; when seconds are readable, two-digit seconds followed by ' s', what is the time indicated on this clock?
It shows 9 h 21 min
